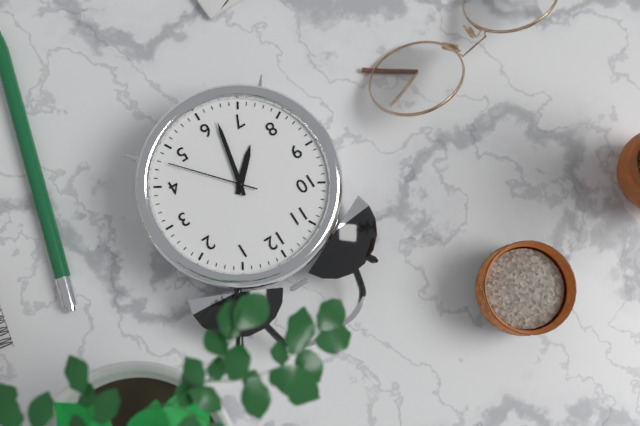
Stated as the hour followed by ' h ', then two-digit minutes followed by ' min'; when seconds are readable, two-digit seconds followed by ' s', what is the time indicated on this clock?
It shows 7 h 32 min 23 s
